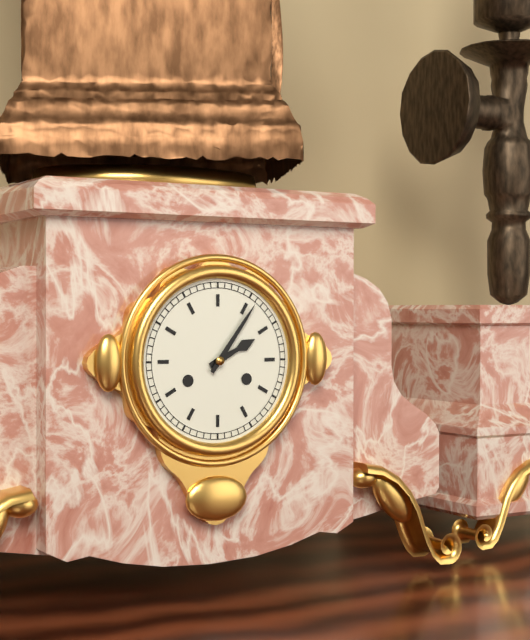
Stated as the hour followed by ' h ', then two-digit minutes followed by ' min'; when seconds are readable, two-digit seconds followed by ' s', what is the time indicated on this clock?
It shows 2 h 06 min
